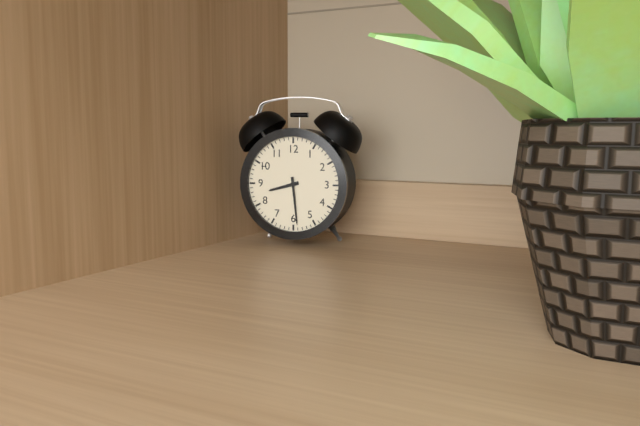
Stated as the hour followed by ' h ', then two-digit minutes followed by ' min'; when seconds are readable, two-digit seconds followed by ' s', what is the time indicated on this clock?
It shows 8 h 29 min
